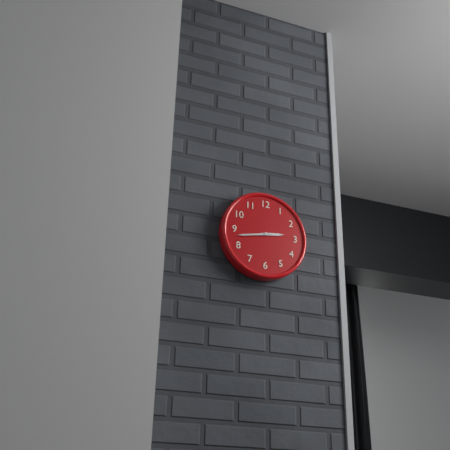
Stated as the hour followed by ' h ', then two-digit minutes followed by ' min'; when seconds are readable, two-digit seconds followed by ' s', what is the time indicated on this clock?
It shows 2 h 43 min
